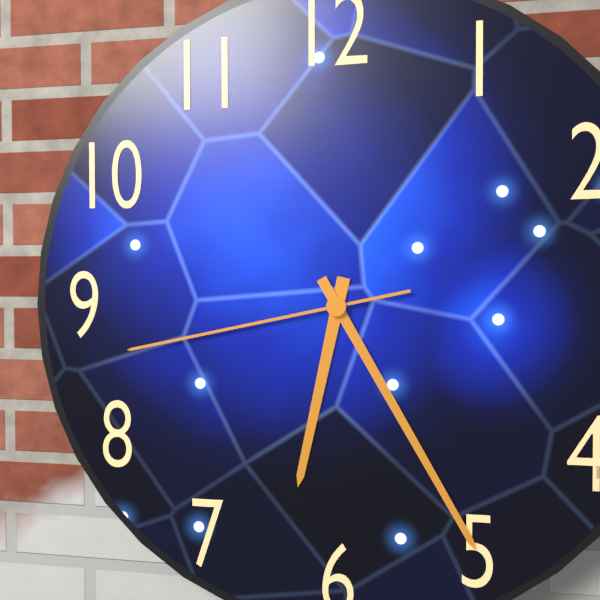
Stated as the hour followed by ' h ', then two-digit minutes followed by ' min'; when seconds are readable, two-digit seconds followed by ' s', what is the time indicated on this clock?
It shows 6 h 25 min 43 s
